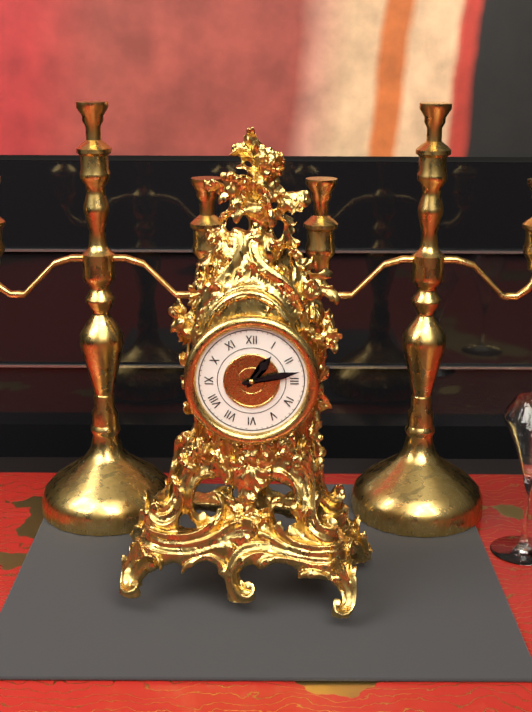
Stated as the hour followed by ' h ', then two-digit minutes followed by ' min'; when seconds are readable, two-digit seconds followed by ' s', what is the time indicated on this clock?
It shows 1 h 13 min
